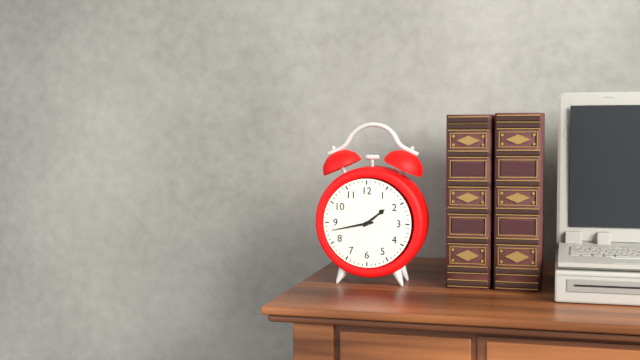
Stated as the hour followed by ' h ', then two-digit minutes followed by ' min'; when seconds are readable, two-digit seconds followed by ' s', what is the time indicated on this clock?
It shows 1 h 43 min
